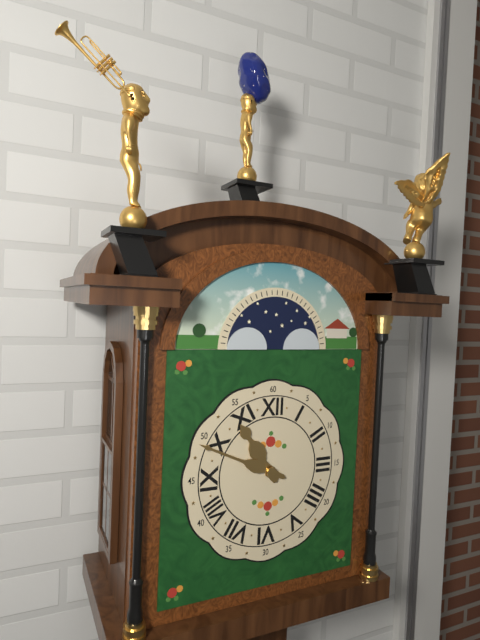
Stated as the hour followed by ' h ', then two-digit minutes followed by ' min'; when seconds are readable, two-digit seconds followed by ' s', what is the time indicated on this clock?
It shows 10 h 49 min
